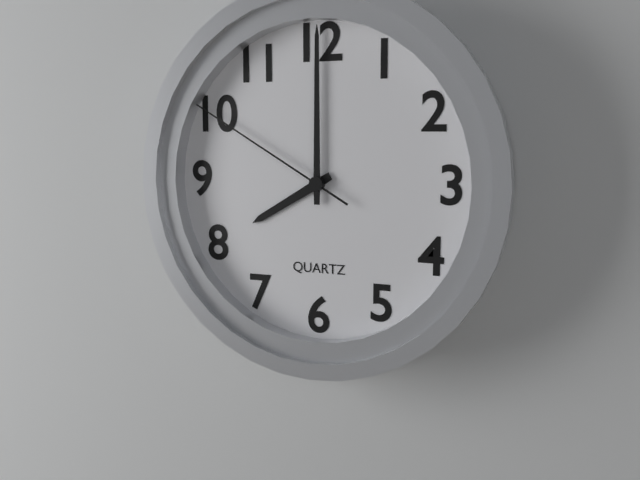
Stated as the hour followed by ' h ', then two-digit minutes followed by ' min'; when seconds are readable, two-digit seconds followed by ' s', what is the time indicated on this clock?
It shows 8 h 00 min 50 s
